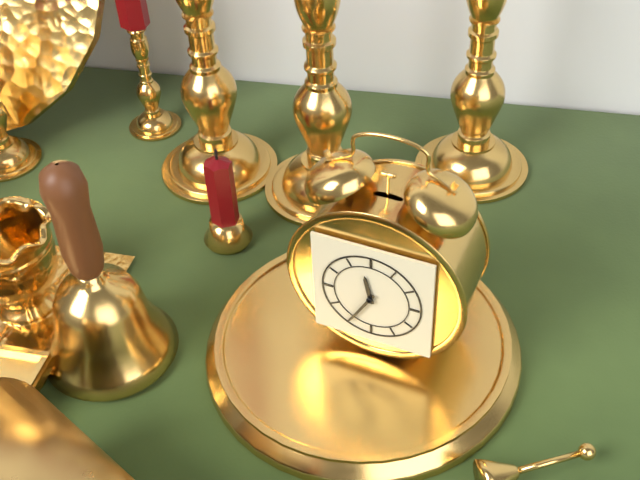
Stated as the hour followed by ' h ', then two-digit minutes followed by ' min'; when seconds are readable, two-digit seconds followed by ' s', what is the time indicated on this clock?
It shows 11 h 35 min
